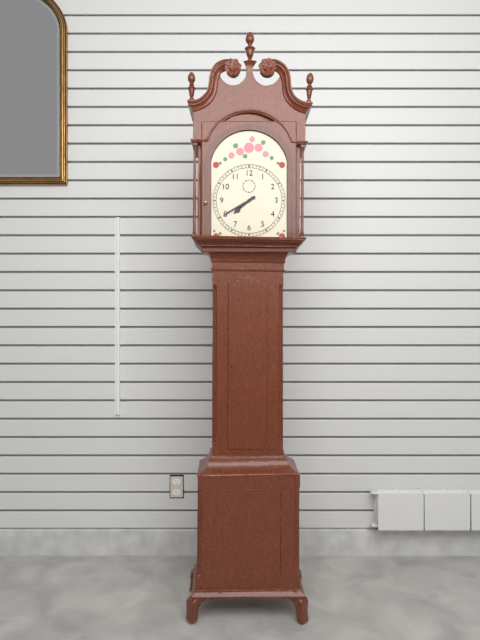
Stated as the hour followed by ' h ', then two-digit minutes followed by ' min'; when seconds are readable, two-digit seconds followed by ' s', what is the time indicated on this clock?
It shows 7 h 40 min
